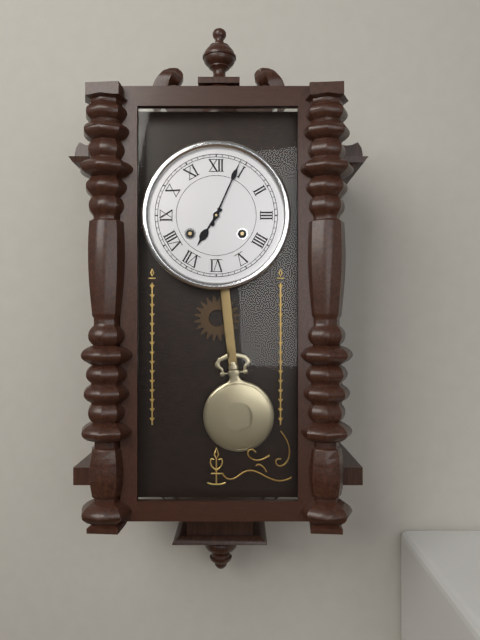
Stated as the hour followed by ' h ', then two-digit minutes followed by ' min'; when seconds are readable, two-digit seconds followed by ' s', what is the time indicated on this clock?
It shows 7 h 04 min
